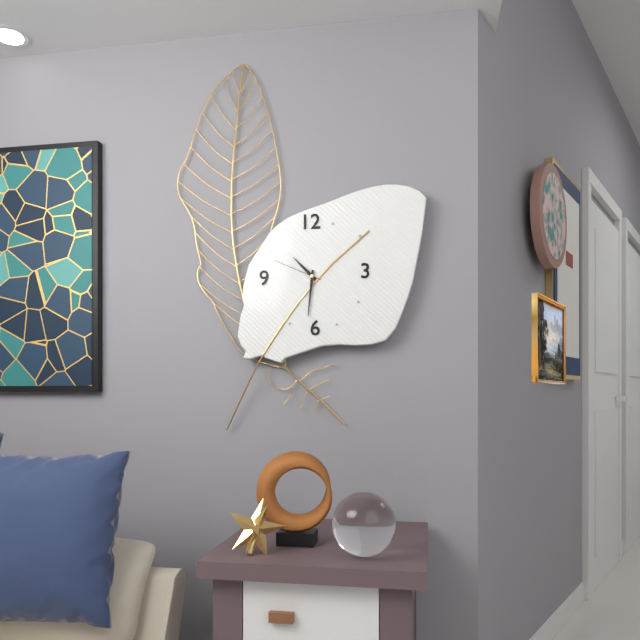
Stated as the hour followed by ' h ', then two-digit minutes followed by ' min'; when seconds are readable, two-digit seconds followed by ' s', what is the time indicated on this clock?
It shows 10 h 31 min 49 s
